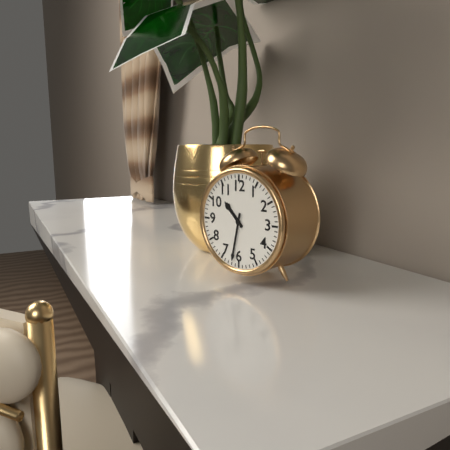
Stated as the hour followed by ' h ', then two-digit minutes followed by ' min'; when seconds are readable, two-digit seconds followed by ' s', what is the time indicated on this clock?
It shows 10 h 32 min
